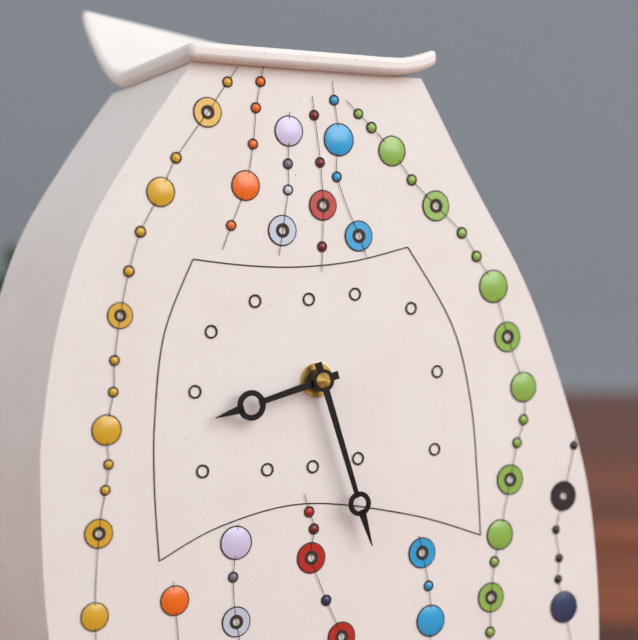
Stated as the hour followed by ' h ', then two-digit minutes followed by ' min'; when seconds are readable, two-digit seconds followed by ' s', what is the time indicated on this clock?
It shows 8 h 27 min
